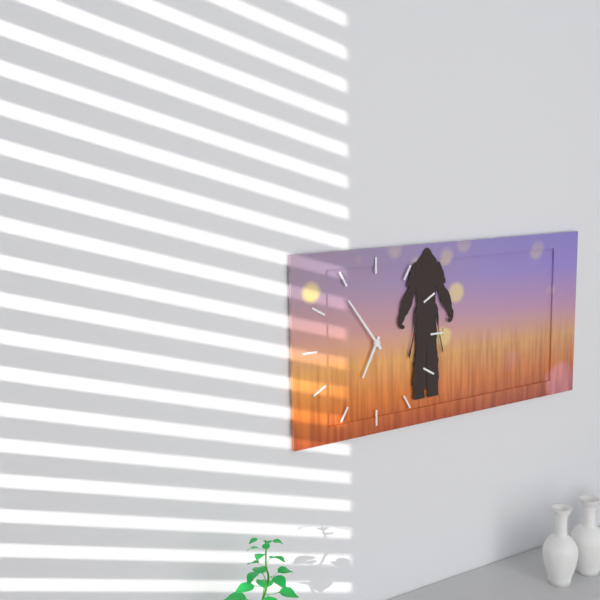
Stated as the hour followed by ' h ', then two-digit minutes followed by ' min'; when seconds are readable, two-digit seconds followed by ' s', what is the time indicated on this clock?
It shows 6 h 54 min
